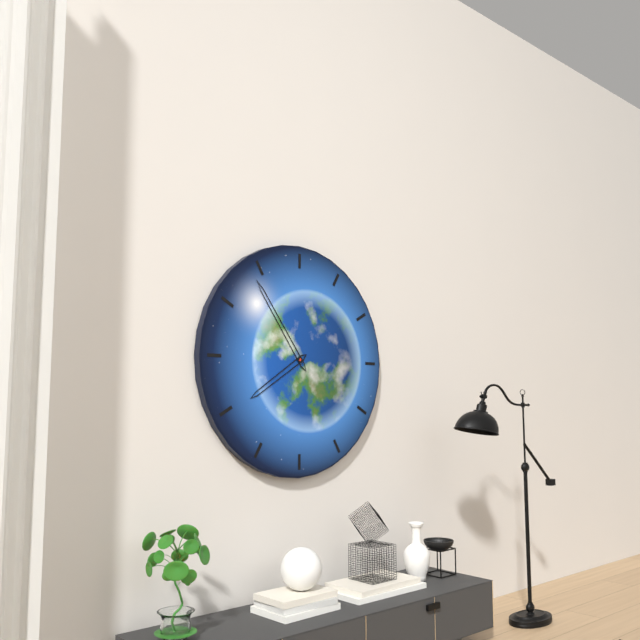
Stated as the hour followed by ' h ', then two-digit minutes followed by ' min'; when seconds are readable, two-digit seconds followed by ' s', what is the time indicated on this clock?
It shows 7 h 54 min
